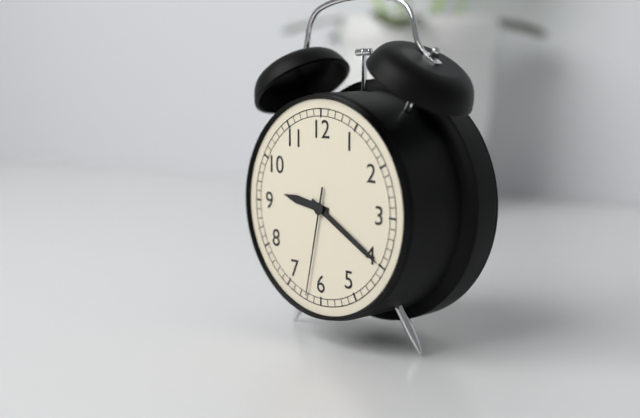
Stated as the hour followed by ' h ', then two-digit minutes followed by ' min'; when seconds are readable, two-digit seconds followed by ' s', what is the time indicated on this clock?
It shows 9 h 20 min 32 s
